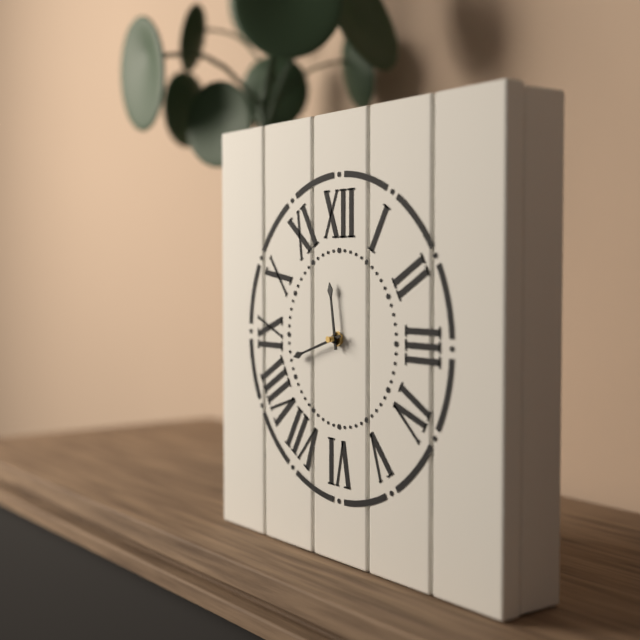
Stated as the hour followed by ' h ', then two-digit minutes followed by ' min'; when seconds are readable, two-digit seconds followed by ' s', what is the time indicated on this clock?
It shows 11 h 42 min
